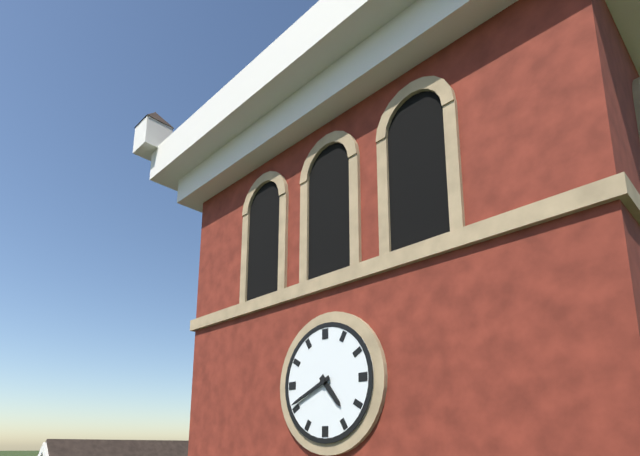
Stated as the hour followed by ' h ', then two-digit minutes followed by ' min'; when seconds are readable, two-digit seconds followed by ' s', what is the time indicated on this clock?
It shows 4 h 41 min
